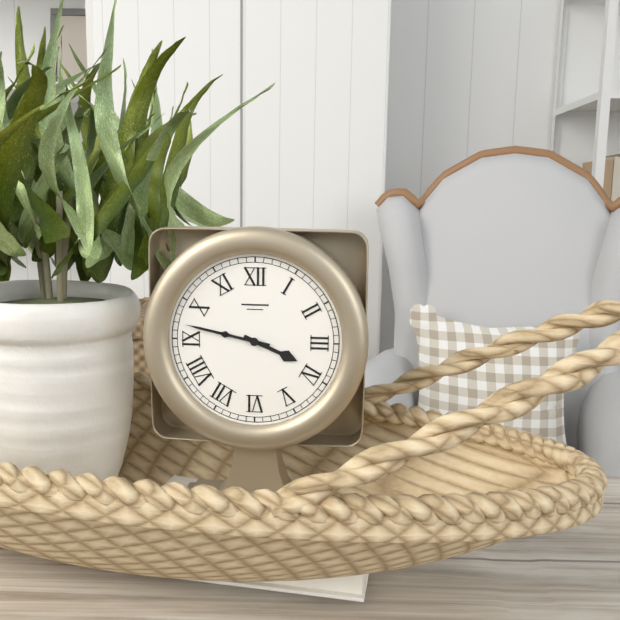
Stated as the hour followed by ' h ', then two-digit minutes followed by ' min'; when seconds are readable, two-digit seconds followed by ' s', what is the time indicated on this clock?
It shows 3 h 47 min
